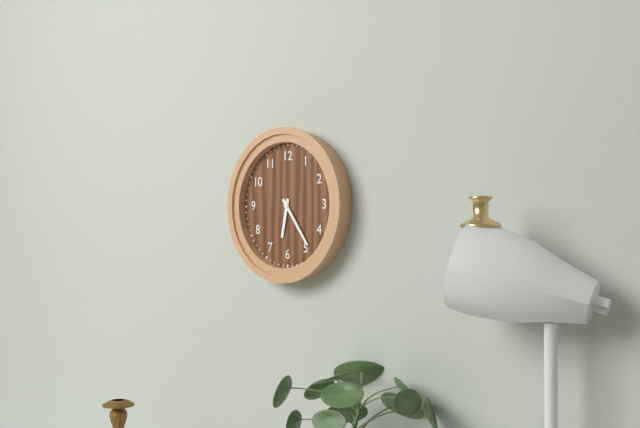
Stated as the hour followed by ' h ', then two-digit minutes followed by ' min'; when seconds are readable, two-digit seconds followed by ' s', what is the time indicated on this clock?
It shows 6 h 24 min
